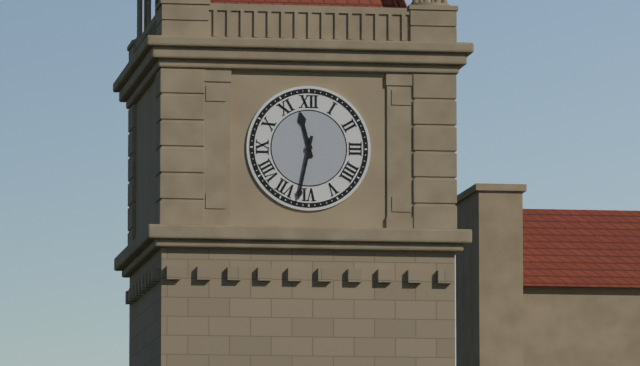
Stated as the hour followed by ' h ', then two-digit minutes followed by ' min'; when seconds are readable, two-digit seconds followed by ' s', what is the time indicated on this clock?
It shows 11 h 32 min
